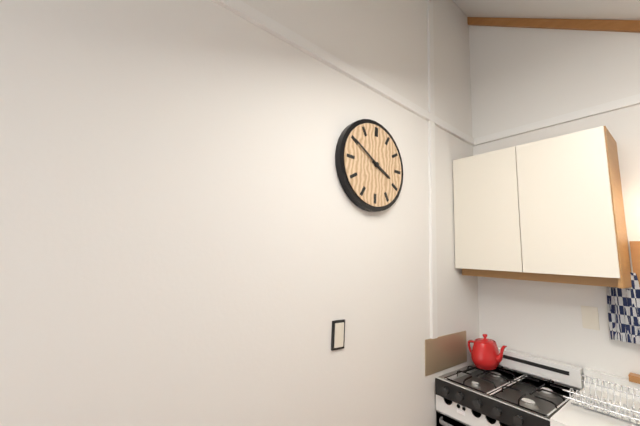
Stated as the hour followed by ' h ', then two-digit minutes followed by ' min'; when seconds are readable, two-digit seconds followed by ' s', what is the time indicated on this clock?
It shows 3 h 50 min
